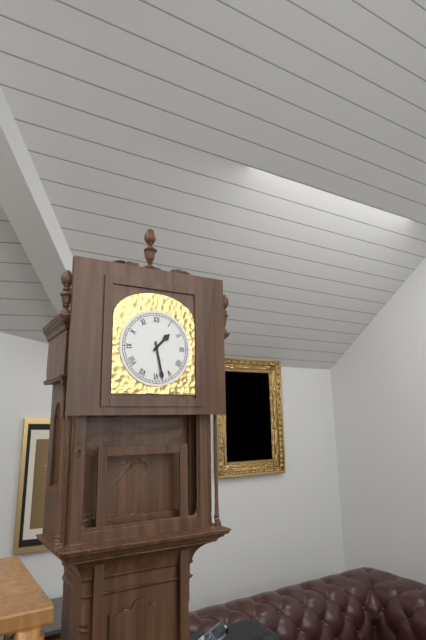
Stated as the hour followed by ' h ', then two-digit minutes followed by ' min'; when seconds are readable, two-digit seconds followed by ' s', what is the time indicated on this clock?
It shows 1 h 28 min
